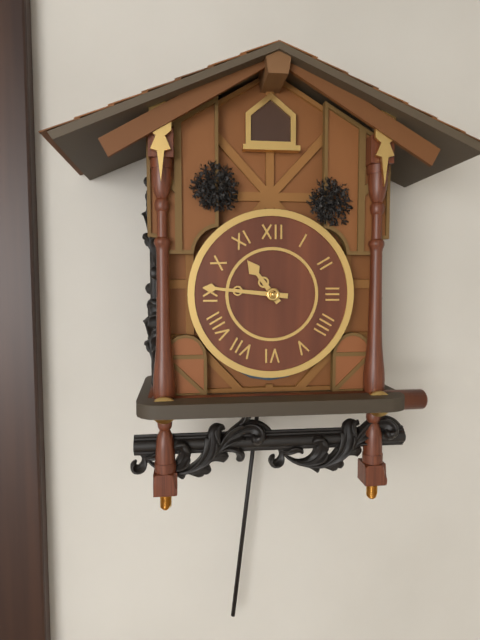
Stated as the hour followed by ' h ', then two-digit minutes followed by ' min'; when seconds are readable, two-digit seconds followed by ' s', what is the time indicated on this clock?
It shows 10 h 46 min
